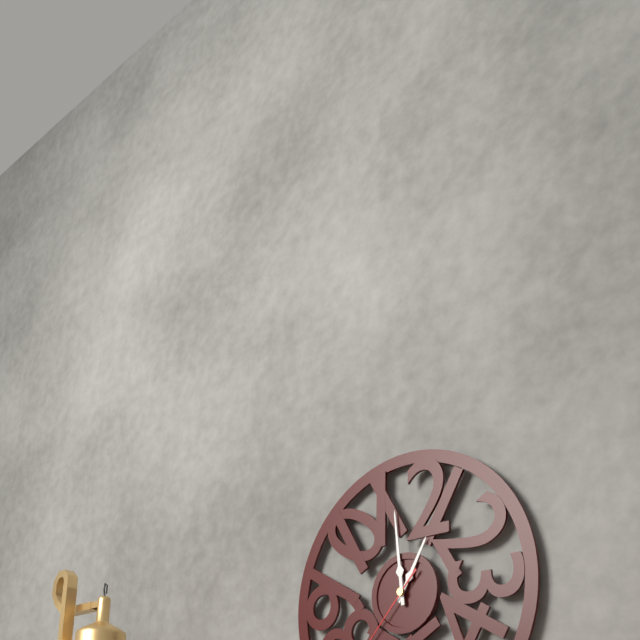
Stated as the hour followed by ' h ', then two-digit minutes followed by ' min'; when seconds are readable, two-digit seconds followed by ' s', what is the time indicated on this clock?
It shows 12 h 59 min
